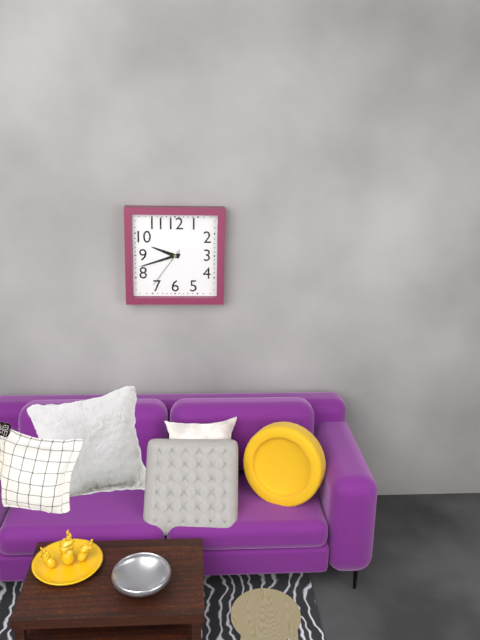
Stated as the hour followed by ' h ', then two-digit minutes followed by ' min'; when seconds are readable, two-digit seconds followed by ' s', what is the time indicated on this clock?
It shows 9 h 42 min
